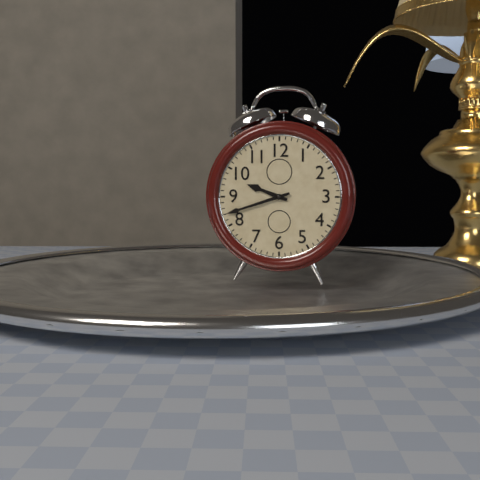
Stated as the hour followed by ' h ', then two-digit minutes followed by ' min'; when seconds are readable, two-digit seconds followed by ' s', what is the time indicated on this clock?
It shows 9 h 42 min
